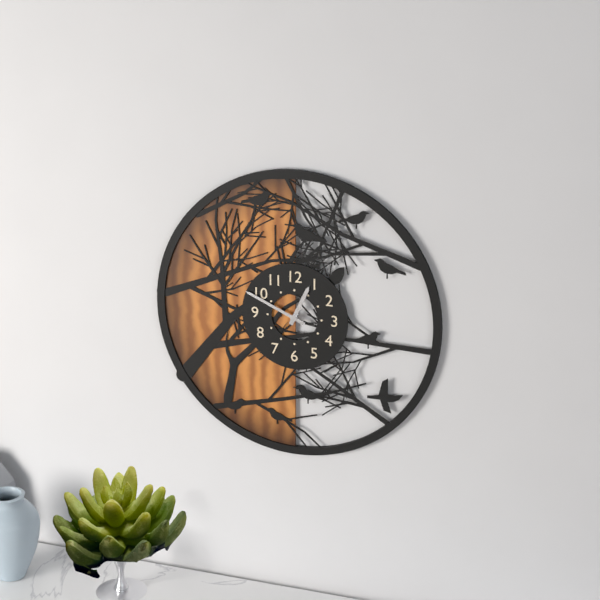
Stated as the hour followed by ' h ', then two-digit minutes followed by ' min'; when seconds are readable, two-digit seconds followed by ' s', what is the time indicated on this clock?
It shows 12 h 49 min
